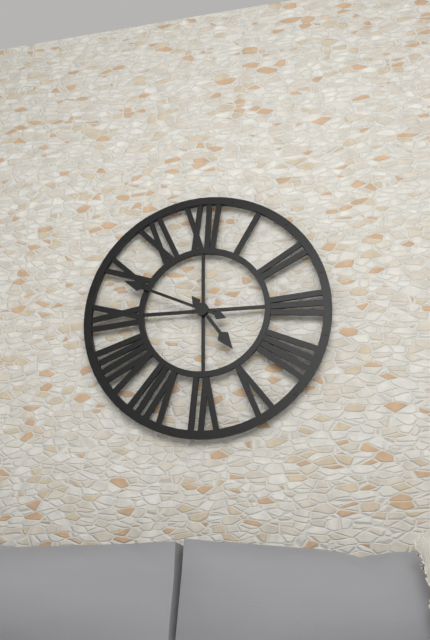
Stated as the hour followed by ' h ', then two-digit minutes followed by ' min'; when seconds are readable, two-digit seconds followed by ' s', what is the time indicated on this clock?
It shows 4 h 49 min
